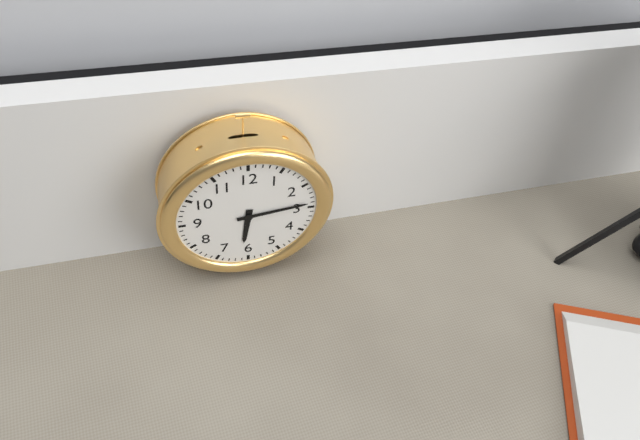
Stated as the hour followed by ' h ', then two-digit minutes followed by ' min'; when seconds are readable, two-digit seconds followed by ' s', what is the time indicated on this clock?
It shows 6 h 14 min
